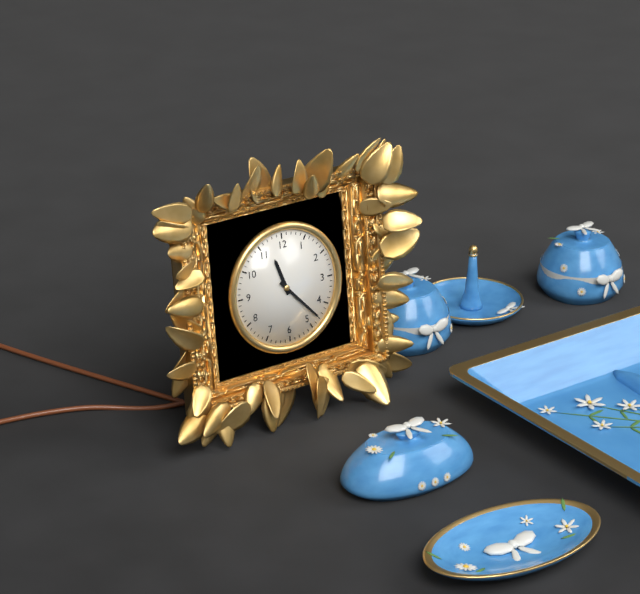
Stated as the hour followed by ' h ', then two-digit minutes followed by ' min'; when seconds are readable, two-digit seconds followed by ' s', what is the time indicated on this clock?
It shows 11 h 23 min
